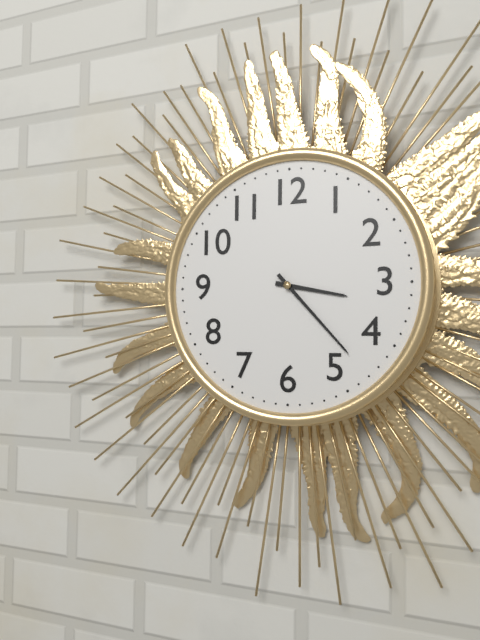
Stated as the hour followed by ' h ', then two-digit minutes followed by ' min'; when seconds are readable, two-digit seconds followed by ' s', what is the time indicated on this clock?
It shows 3 h 23 min
